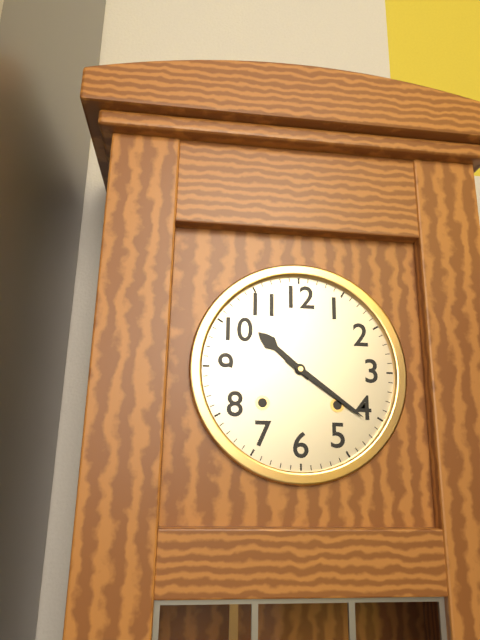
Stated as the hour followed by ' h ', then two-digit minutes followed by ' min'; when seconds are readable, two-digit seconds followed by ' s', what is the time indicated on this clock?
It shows 10 h 21 min
